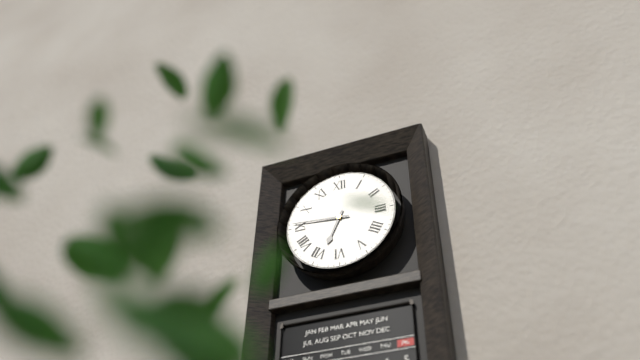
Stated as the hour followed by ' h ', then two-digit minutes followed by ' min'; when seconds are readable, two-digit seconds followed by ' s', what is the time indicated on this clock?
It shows 6 h 46 min
